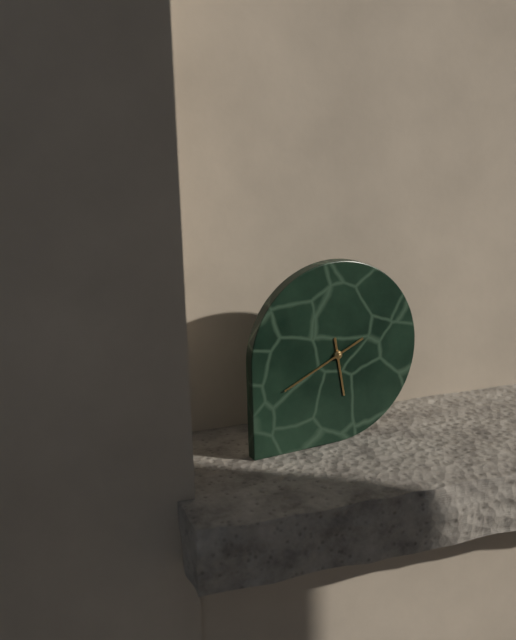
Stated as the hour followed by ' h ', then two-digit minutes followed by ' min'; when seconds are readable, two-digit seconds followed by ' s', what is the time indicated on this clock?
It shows 5 h 41 min
